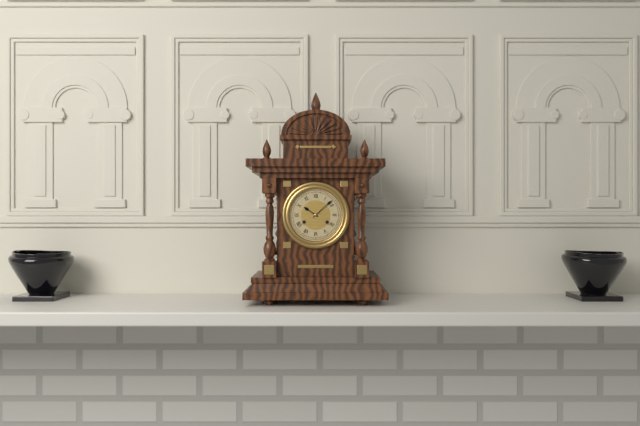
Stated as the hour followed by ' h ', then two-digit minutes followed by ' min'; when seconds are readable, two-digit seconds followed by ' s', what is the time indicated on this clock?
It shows 10 h 08 min
